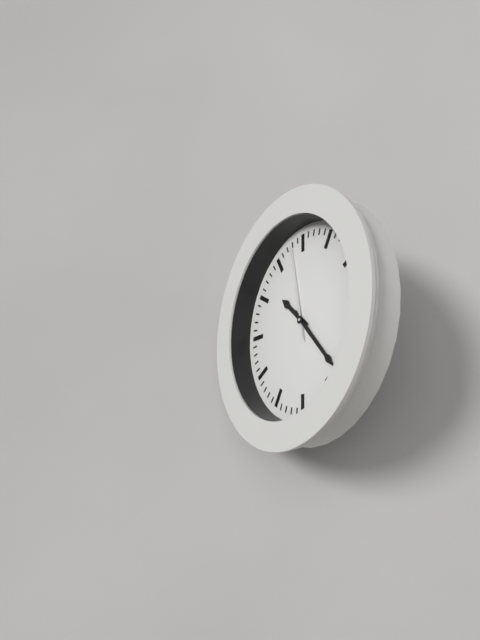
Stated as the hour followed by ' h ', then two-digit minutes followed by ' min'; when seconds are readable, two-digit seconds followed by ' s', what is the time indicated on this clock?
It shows 10 h 23 min 58 s
